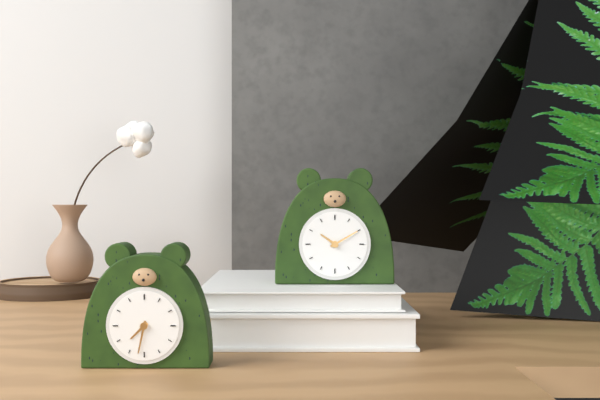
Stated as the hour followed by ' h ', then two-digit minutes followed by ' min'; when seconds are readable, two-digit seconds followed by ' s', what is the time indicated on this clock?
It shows 7 h 32 min
